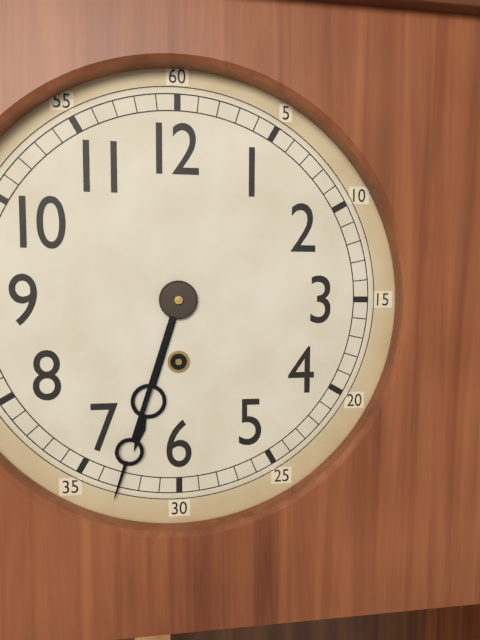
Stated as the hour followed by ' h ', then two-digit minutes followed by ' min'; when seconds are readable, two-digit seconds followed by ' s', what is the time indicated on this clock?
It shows 6 h 33 min
